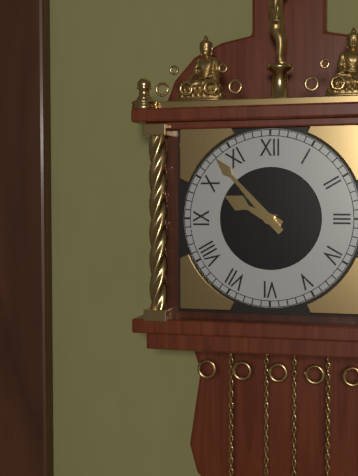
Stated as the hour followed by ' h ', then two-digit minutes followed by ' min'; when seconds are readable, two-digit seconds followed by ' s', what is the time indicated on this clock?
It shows 9 h 53 min
